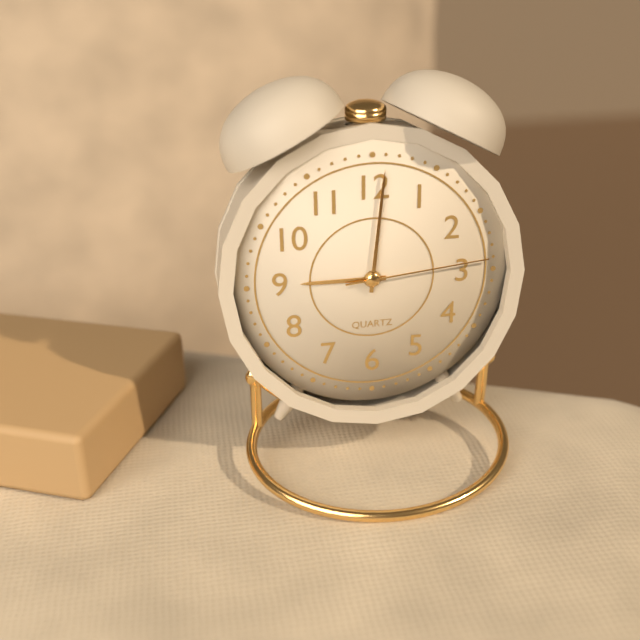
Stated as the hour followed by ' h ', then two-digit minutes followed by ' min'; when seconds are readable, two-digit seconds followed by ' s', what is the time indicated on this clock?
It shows 9 h 01 min 14 s
